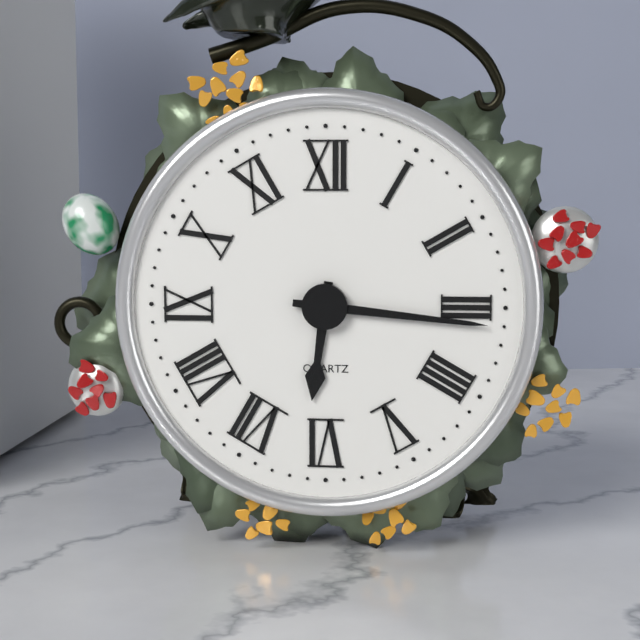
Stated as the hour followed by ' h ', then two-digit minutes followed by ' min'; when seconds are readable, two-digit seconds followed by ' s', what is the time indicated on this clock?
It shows 6 h 16 min
